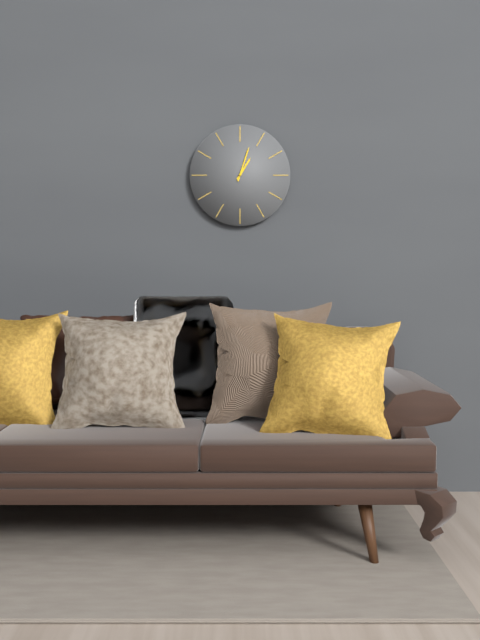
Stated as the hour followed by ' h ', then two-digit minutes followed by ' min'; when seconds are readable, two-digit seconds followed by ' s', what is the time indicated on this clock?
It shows 1 h 03 min
